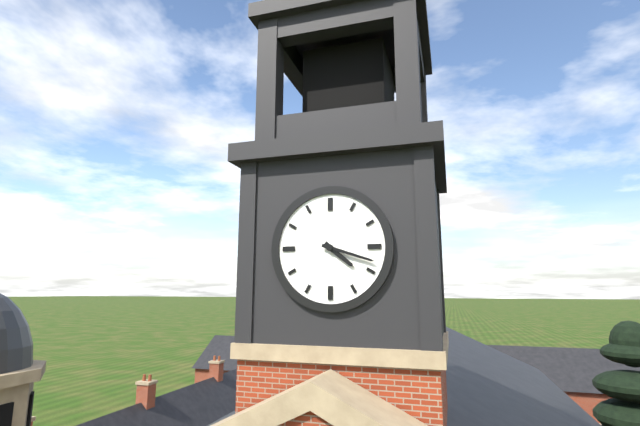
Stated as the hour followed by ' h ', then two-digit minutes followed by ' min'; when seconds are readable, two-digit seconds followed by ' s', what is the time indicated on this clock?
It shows 4 h 18 min
